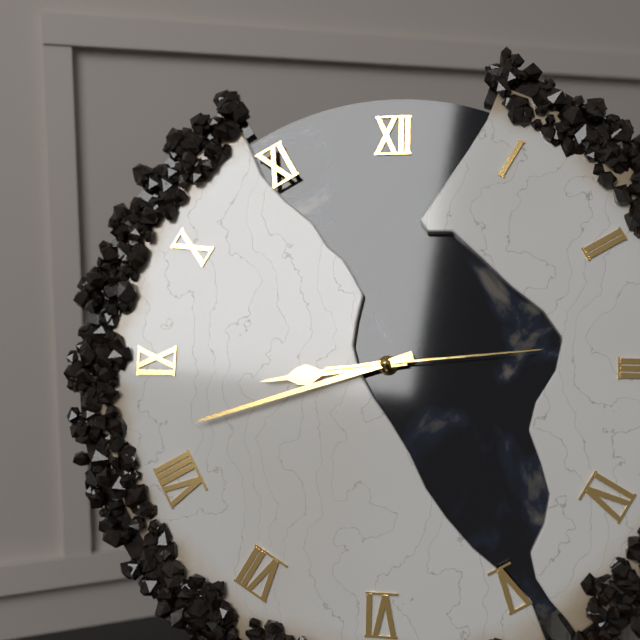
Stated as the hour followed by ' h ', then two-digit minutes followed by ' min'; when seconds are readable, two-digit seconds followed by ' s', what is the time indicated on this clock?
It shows 8 h 42 min 14 s
